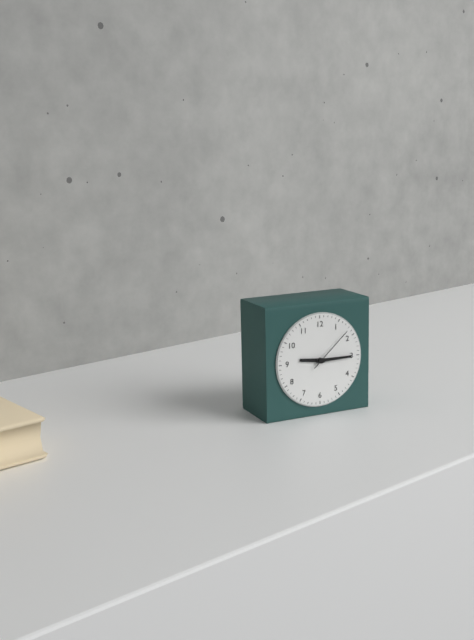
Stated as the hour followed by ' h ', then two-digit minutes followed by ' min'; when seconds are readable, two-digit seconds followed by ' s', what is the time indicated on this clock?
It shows 9 h 15 min
